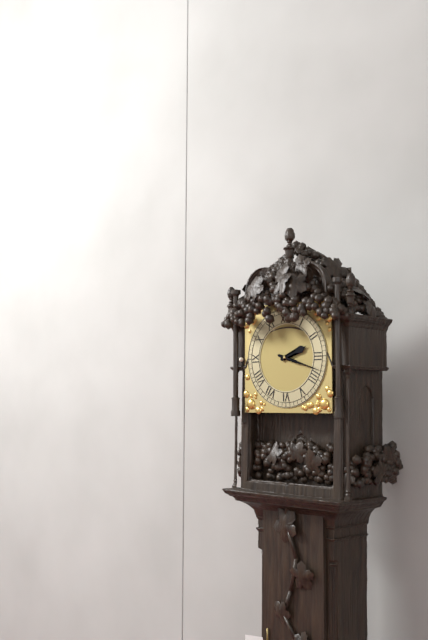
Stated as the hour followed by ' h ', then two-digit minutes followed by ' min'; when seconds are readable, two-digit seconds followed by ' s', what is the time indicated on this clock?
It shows 2 h 18 min
